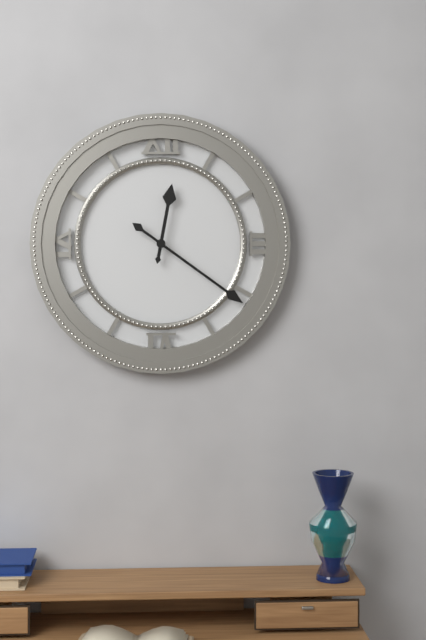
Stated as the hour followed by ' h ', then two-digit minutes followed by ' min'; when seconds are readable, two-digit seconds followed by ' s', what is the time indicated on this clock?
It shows 12 h 21 min
